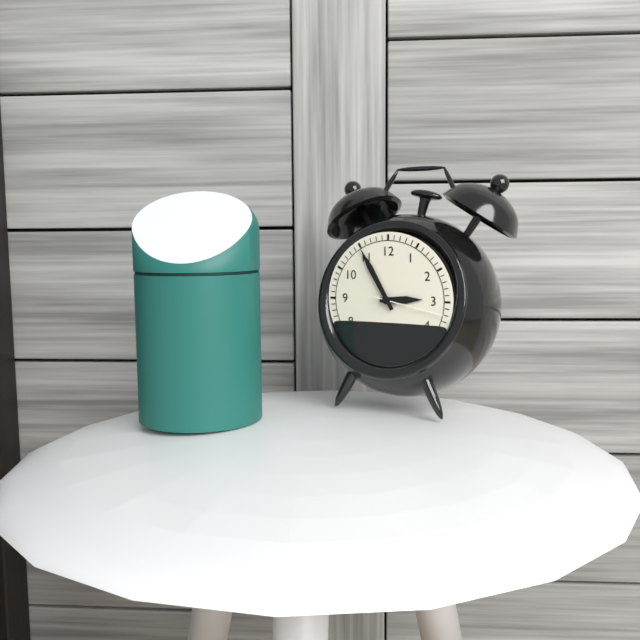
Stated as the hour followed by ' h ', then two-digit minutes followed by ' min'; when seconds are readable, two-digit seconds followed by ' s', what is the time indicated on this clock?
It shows 2 h 55 min 17 s
